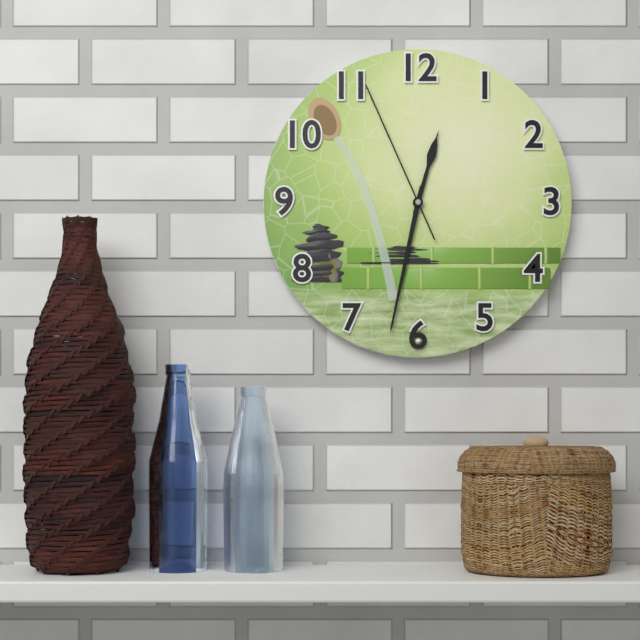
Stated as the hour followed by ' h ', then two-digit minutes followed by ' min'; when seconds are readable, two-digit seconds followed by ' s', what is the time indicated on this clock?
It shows 12 h 32 min 56 s
